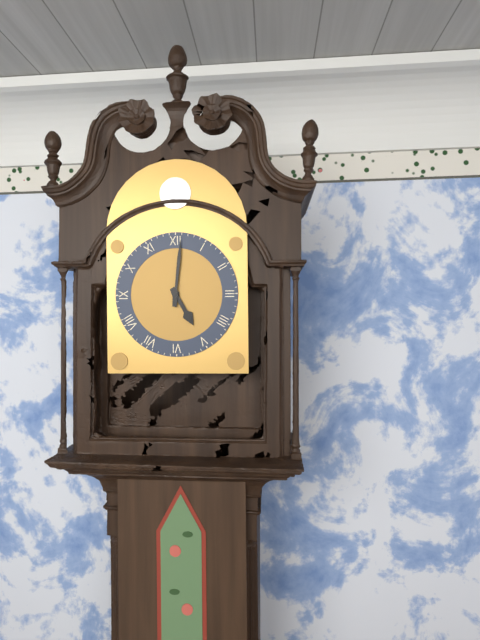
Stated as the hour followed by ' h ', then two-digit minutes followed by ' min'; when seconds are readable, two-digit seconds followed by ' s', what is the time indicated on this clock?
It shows 5 h 01 min
